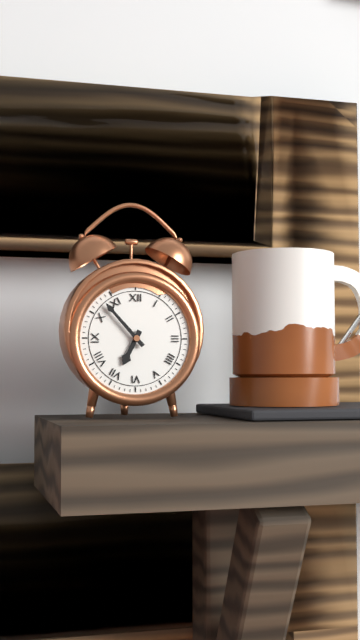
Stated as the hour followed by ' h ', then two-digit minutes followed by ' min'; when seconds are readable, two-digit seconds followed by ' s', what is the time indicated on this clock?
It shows 6 h 53 min
